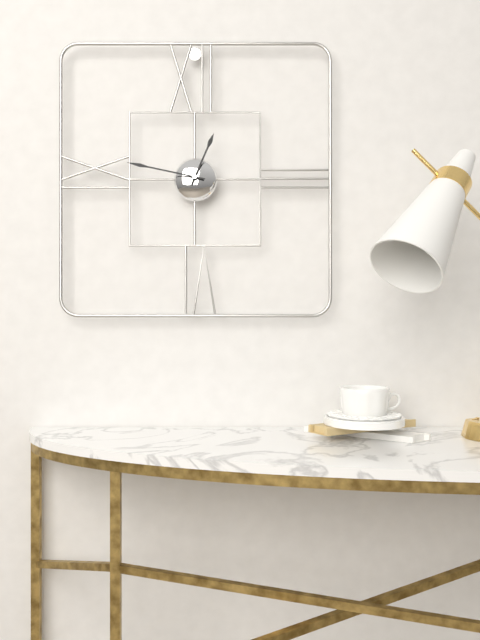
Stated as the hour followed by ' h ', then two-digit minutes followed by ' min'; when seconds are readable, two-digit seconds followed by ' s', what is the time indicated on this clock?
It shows 12 h 47 min
